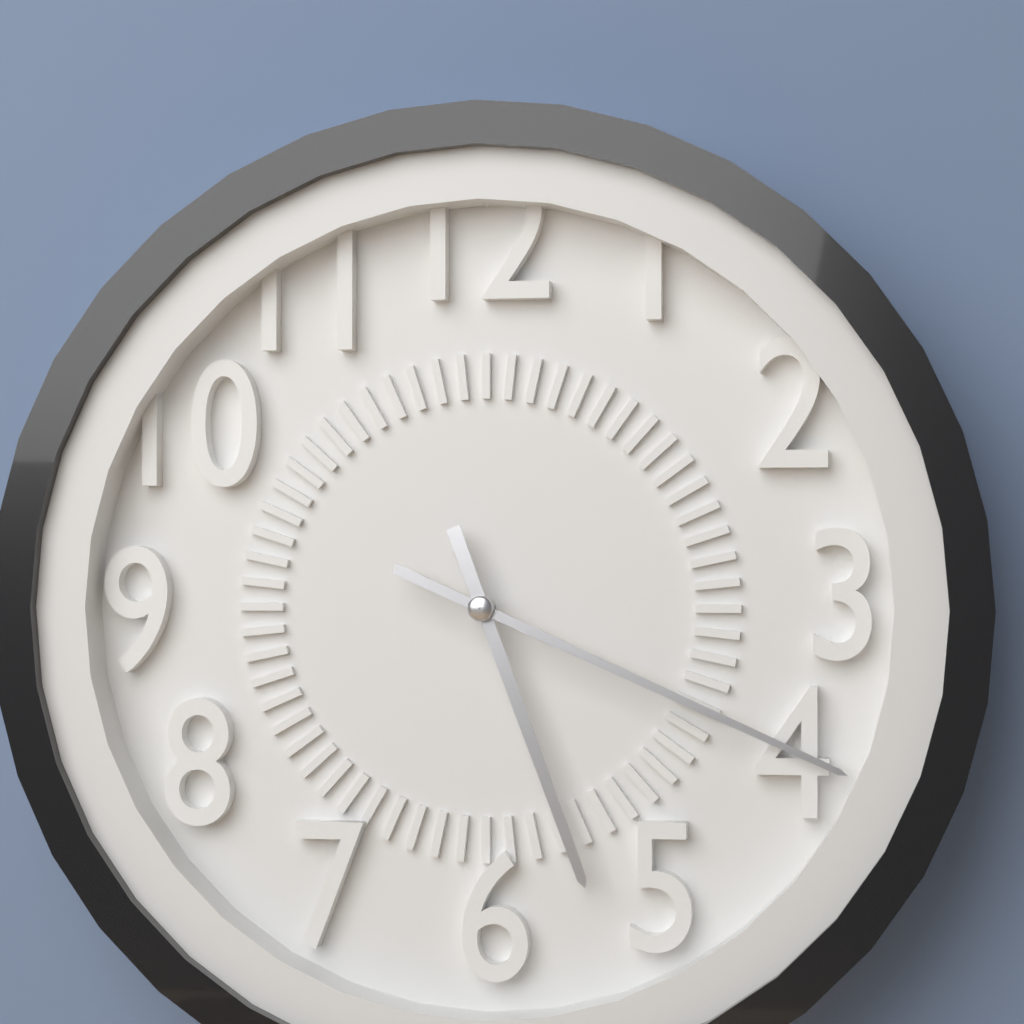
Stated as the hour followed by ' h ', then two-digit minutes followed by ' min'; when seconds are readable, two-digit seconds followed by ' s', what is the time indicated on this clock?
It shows 5 h 19 min
